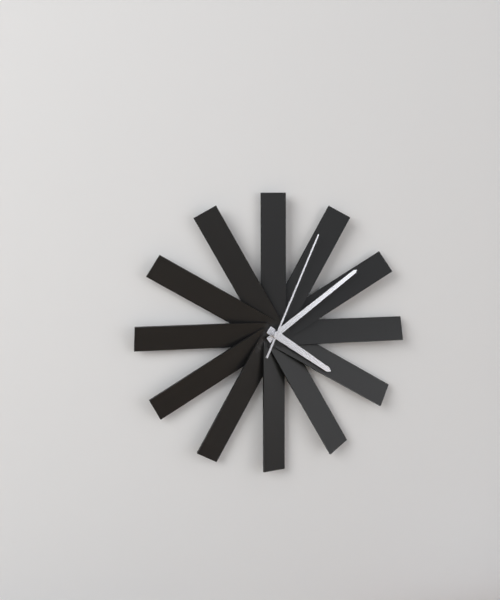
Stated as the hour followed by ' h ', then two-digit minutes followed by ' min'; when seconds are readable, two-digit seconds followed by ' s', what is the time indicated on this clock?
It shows 4 h 09 min 04 s
